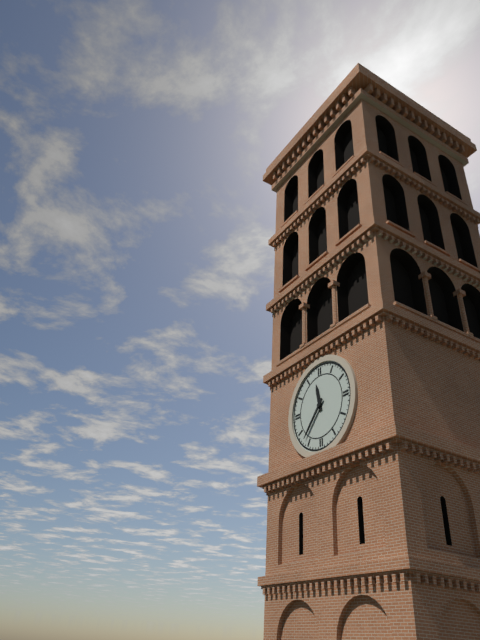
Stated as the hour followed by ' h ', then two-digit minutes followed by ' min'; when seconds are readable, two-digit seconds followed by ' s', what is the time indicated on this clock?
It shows 11 h 37 min
